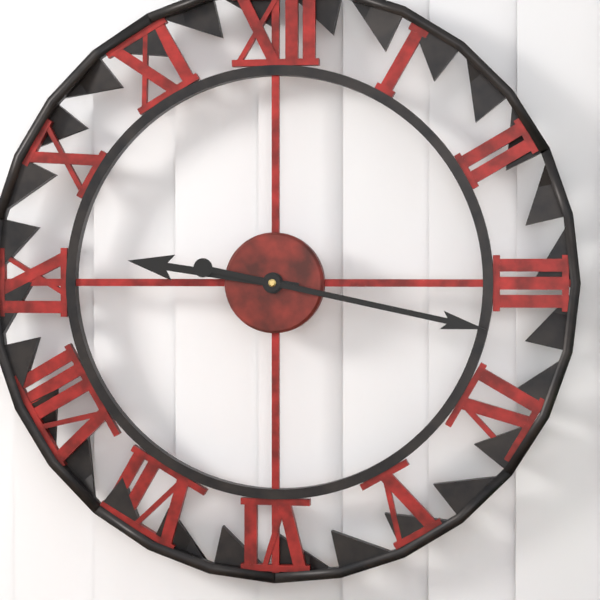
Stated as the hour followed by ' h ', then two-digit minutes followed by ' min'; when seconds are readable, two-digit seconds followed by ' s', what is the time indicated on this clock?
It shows 9 h 17 min
